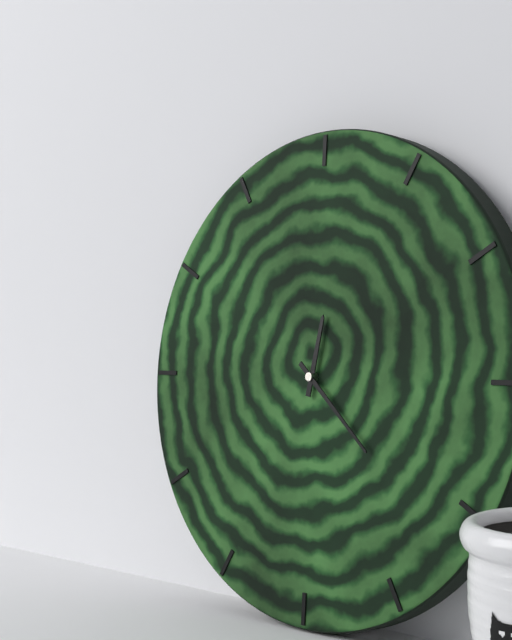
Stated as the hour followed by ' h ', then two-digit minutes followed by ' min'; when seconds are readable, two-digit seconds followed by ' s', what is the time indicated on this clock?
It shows 12 h 22 min
